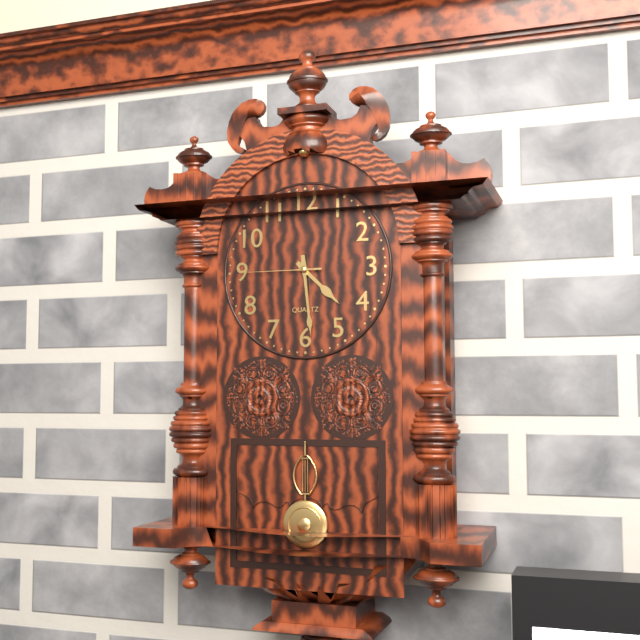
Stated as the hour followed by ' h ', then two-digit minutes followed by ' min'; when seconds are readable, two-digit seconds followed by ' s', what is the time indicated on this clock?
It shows 4 h 29 min 45 s
